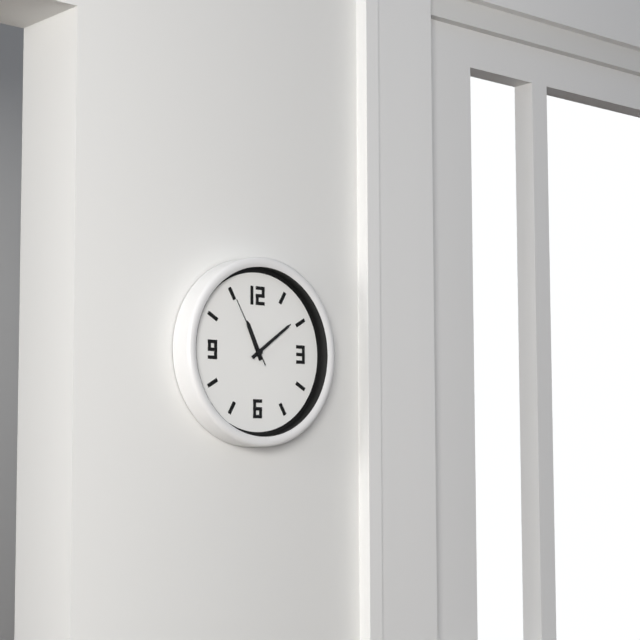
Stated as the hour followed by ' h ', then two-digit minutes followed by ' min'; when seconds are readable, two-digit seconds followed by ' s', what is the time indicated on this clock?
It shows 11 h 09 min 55 s
